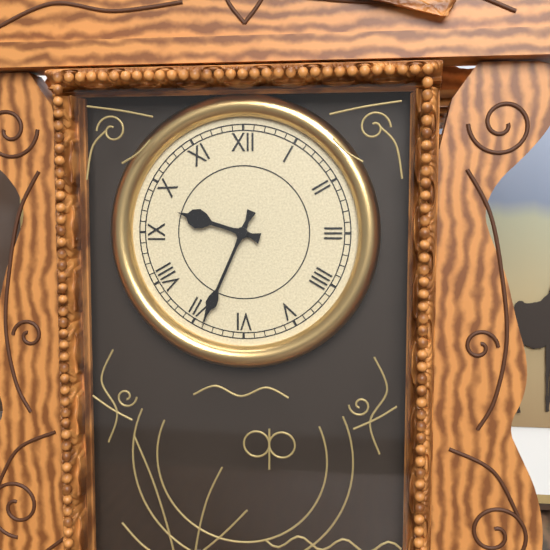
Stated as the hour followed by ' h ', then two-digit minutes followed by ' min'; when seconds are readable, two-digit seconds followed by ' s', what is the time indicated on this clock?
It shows 9 h 34 min
